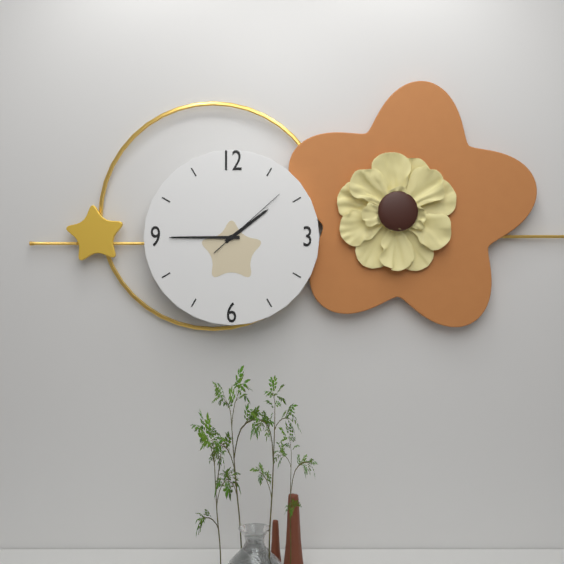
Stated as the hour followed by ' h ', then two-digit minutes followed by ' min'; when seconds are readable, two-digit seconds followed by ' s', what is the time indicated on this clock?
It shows 1 h 45 min 08 s
